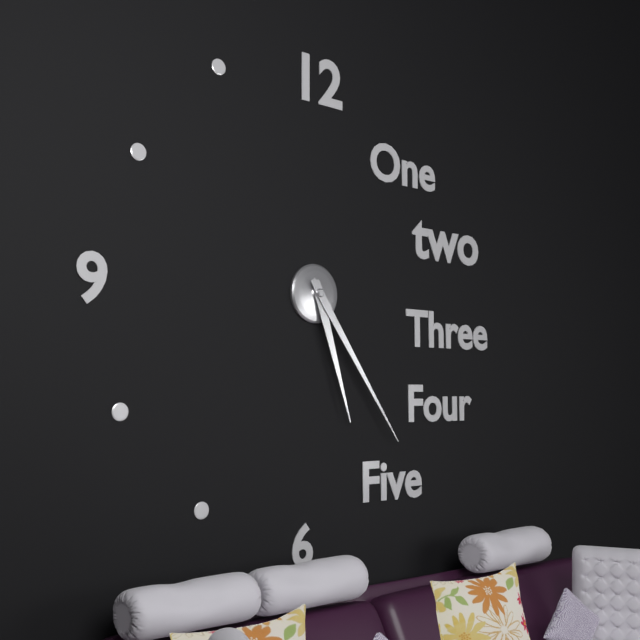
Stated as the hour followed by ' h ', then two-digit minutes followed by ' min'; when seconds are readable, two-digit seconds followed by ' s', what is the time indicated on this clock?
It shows 5 h 24 min
